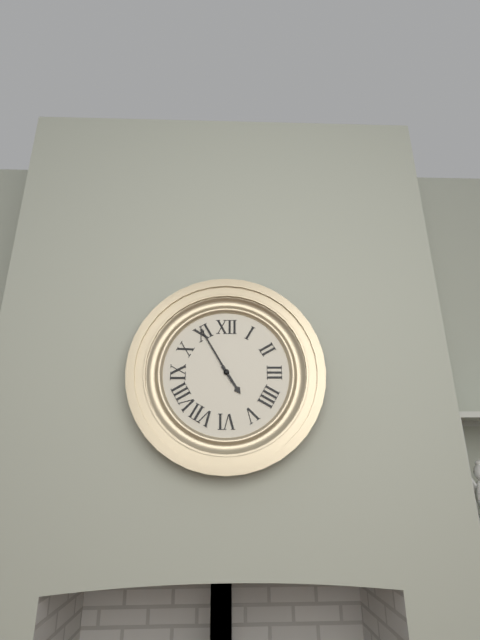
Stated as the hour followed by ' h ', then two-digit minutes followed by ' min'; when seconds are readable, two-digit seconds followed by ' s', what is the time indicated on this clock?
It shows 4 h 55 min
